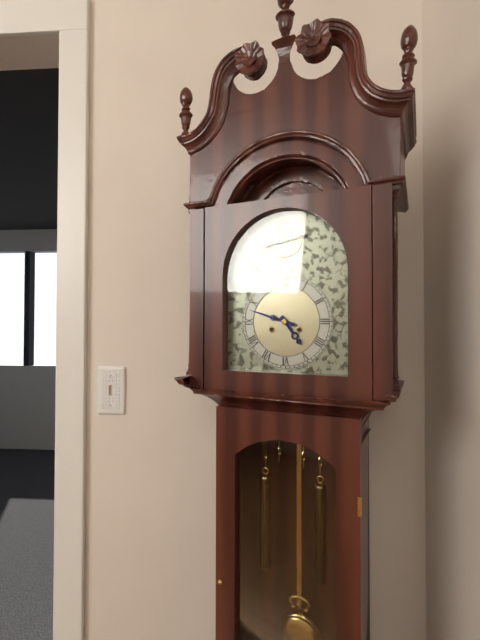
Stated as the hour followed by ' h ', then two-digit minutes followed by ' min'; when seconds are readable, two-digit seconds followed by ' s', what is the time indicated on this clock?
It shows 4 h 48 min
